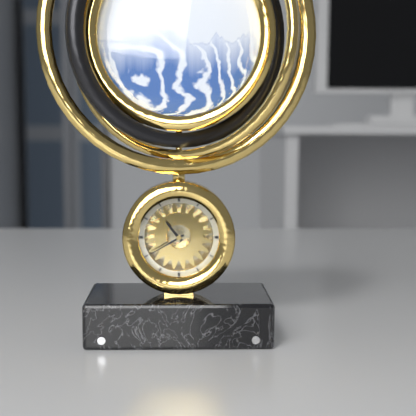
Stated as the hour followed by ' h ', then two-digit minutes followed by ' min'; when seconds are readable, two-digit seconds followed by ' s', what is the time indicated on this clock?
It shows 10 h 40 min
